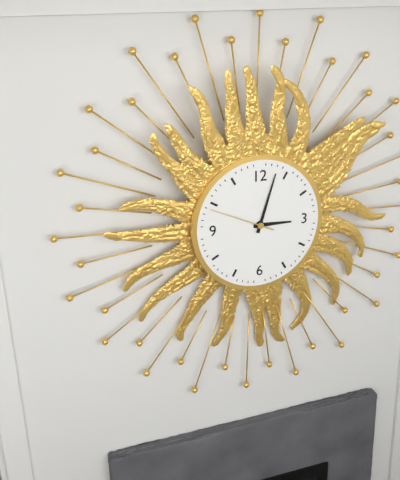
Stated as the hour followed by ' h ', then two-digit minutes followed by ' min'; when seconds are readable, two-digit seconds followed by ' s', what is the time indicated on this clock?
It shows 3 h 03 min 49 s
